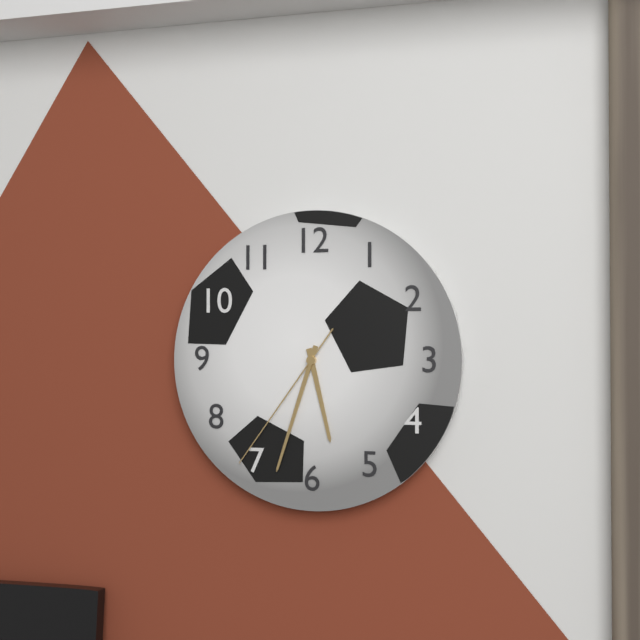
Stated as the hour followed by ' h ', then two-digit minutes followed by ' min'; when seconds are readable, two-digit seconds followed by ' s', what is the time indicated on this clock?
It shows 5 h 33 min 36 s
